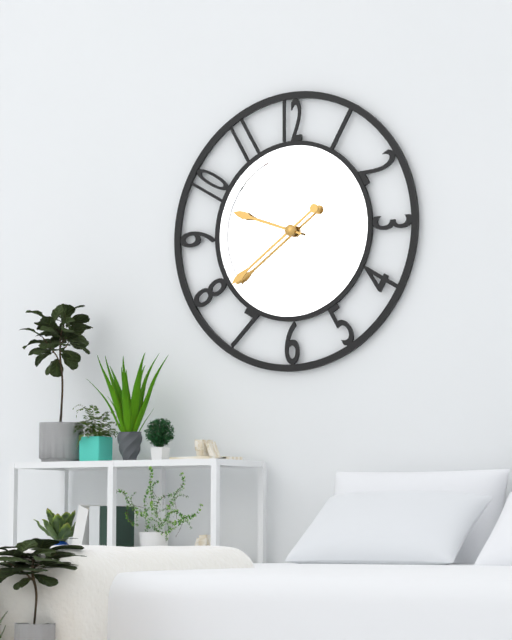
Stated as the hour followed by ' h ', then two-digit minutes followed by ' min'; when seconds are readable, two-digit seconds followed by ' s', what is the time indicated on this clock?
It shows 9 h 39 min
